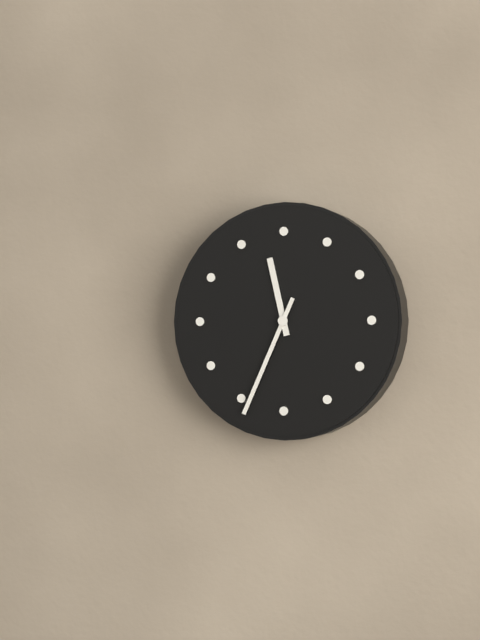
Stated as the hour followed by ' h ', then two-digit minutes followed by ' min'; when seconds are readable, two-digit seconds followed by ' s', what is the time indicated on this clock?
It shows 11 h 34 min
